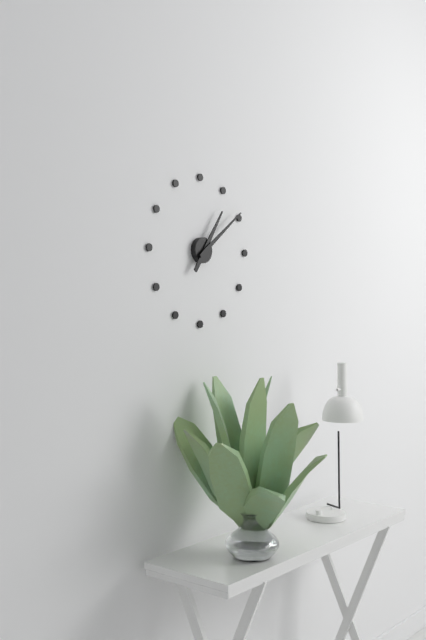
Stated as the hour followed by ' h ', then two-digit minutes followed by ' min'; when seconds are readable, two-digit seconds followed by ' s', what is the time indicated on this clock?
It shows 1 h 09 min
